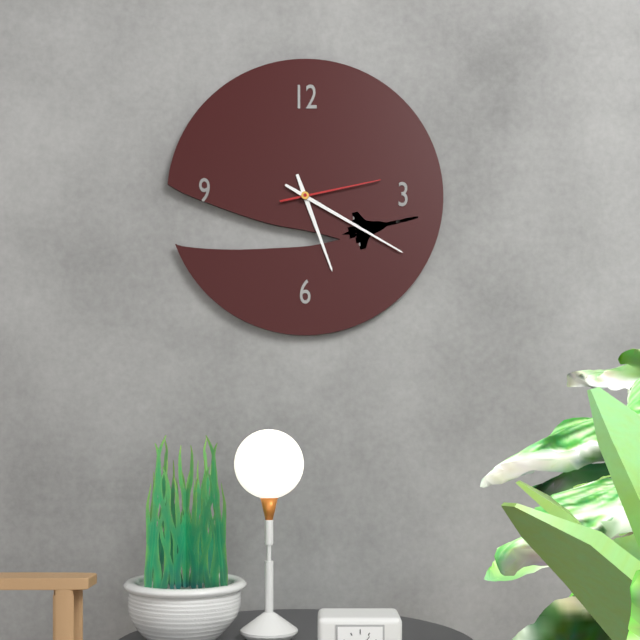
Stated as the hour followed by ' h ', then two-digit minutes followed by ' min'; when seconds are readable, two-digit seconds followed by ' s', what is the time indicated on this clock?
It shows 5 h 20 min 13 s
